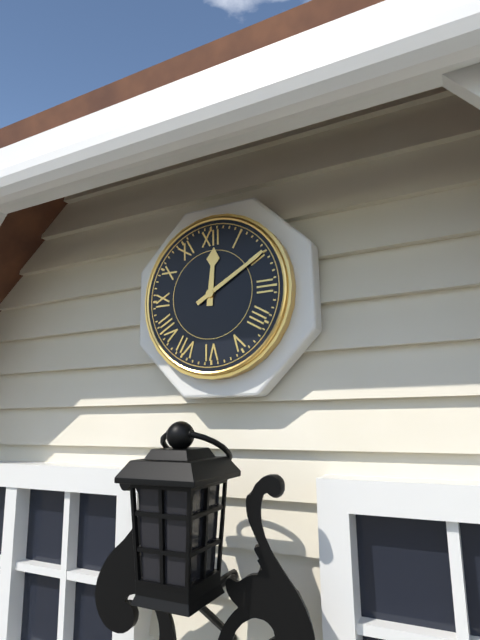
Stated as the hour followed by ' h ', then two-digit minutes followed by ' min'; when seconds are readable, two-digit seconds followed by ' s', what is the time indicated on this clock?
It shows 12 h 10 min
